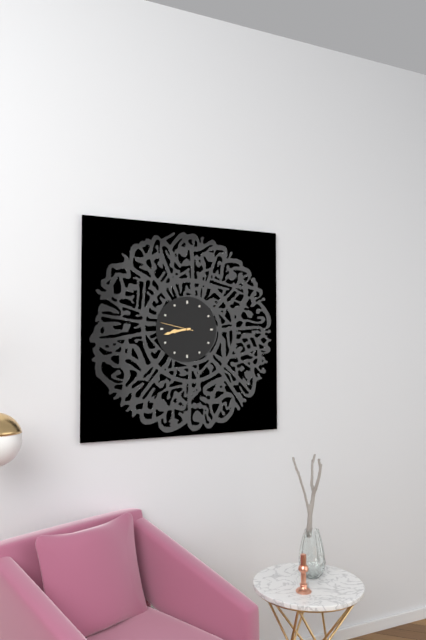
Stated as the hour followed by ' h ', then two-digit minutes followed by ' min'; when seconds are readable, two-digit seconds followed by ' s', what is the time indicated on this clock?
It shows 8 h 43 min
